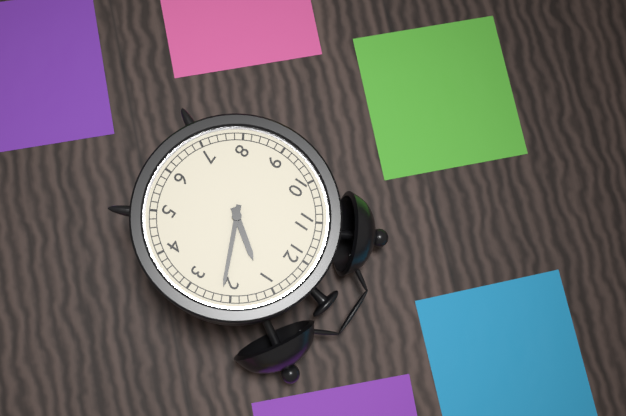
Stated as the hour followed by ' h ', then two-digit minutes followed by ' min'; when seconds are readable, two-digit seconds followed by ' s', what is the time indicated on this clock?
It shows 1 h 11 min
